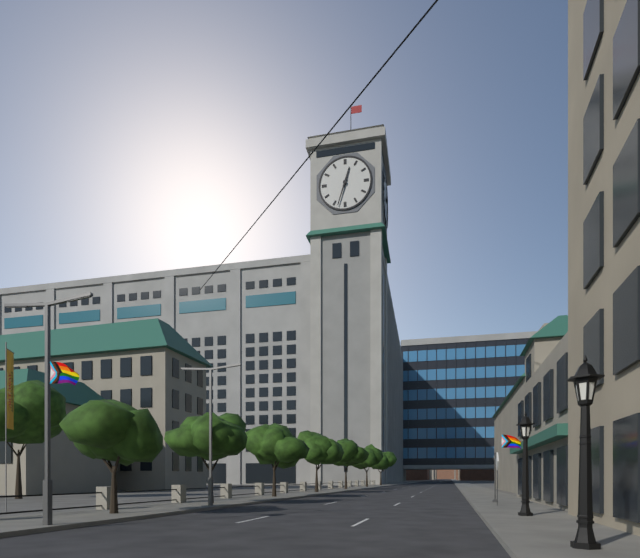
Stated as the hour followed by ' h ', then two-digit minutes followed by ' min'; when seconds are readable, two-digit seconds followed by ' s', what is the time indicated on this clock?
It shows 12 h 33 min
